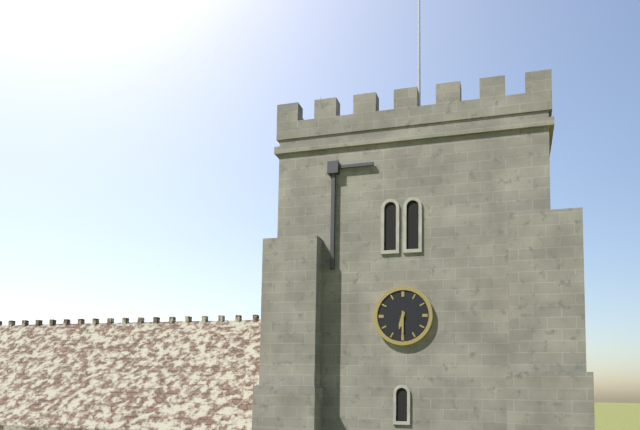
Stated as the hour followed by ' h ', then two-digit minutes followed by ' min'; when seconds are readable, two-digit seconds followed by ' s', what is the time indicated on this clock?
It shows 6 h 30 min
